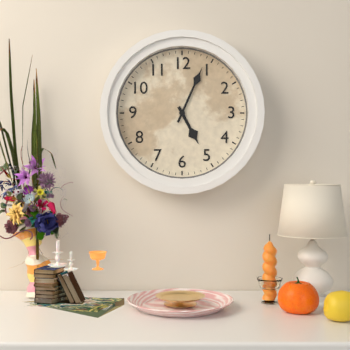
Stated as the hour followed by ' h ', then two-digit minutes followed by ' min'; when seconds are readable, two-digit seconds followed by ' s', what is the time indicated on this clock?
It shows 5 h 04 min
